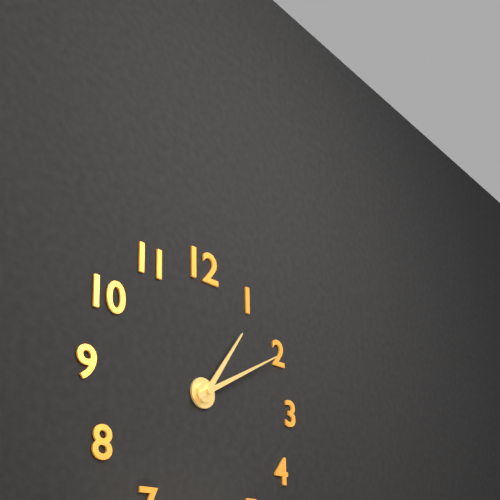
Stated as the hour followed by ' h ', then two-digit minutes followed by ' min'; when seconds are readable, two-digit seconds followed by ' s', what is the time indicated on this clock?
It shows 1 h 10 min
